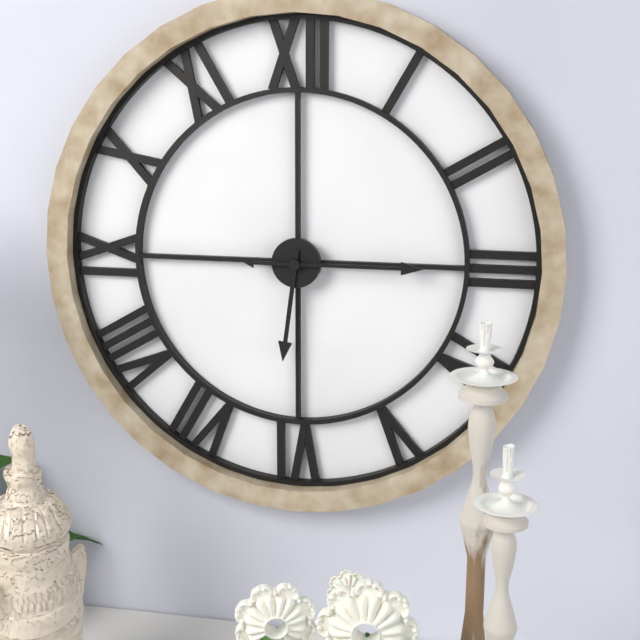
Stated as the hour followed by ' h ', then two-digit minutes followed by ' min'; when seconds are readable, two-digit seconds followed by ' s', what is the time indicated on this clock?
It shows 6 h 15 min
